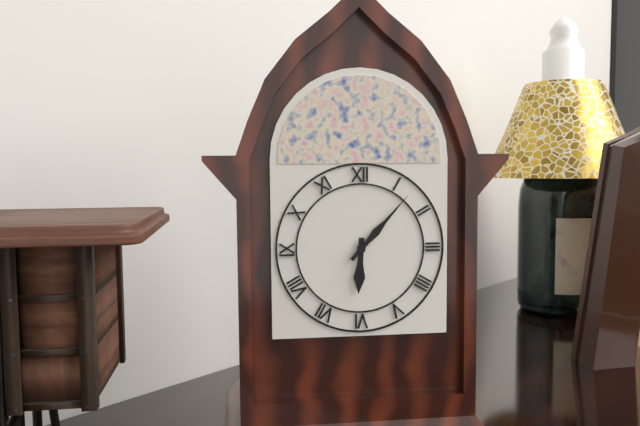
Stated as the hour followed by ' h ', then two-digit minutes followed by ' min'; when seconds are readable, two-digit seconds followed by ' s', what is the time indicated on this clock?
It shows 6 h 07 min
